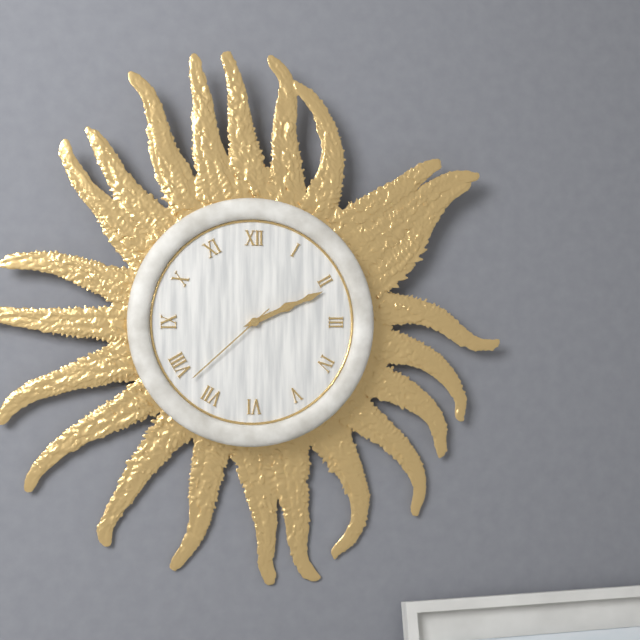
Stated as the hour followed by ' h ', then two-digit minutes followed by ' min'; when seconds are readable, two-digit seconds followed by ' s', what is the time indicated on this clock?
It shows 2 h 11 min 38 s
